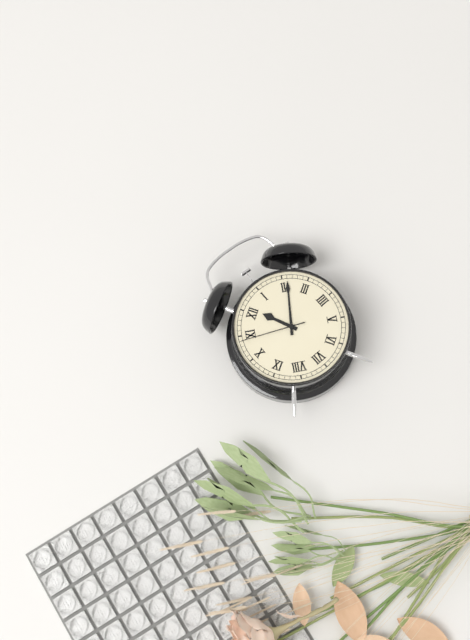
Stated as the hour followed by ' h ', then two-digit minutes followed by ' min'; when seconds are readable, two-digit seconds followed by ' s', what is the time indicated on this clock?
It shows 12 h 11 min 54 s
